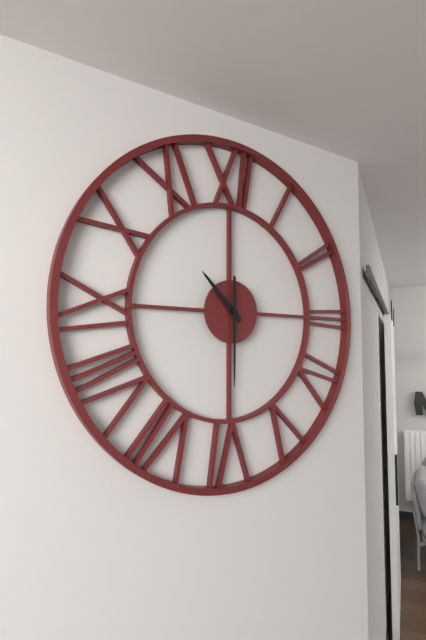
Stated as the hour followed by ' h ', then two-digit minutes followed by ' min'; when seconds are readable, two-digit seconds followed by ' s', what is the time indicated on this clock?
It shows 10 h 30 min
